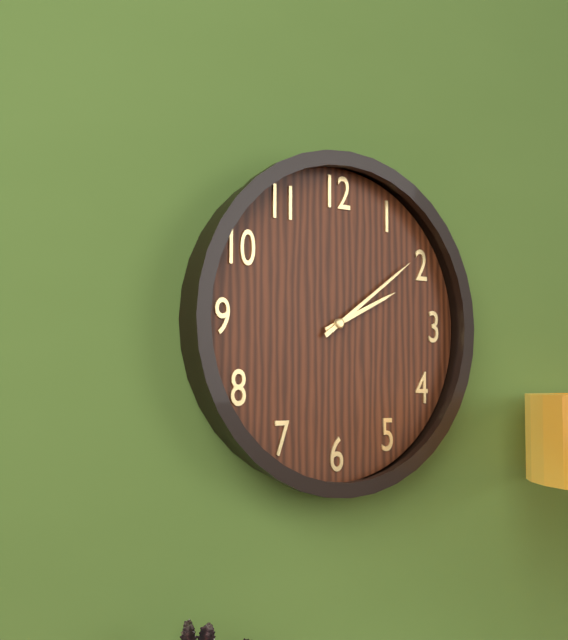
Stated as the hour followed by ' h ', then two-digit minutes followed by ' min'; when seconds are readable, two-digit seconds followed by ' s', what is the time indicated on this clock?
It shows 2 h 09 min
